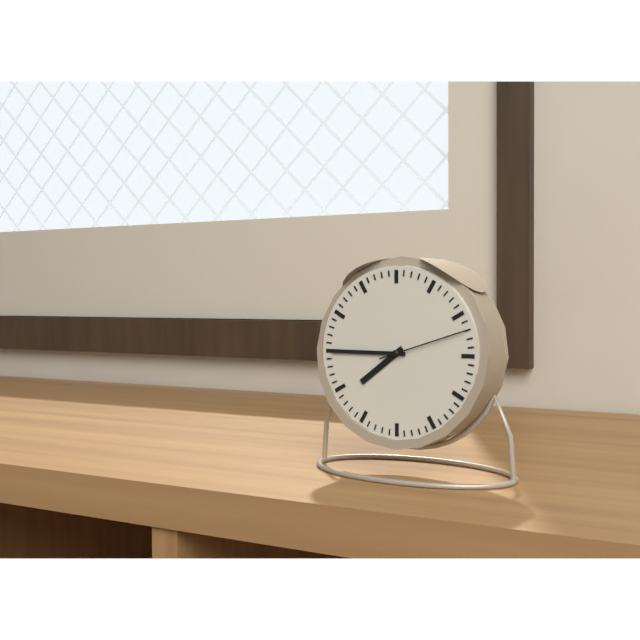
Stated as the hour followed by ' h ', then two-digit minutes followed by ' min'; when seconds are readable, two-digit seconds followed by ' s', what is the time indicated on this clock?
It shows 7 h 45 min 12 s
